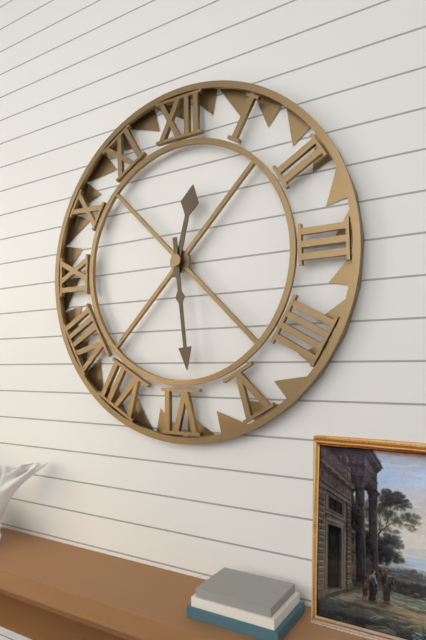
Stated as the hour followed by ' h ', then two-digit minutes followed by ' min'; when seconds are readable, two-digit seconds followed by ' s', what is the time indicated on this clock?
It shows 12 h 29 min
